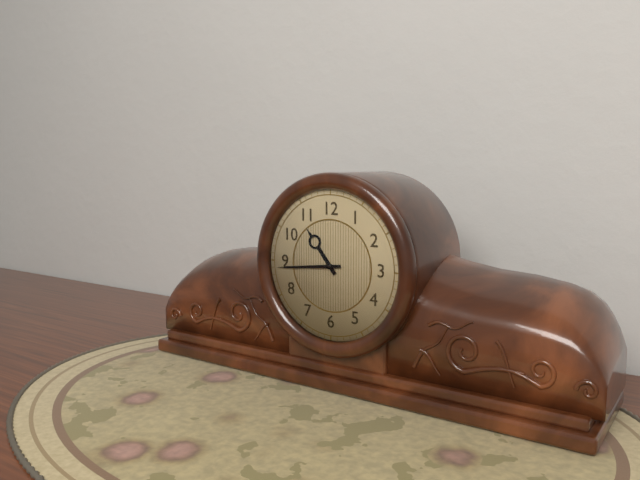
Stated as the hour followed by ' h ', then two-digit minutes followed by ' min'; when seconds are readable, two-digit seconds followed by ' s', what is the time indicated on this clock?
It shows 10 h 44 min
